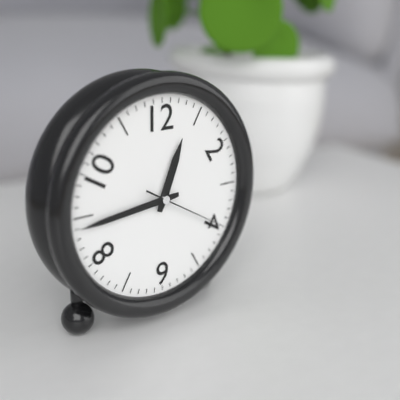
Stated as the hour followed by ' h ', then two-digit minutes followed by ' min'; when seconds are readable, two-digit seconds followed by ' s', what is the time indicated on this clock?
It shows 12 h 44 min 20 s
